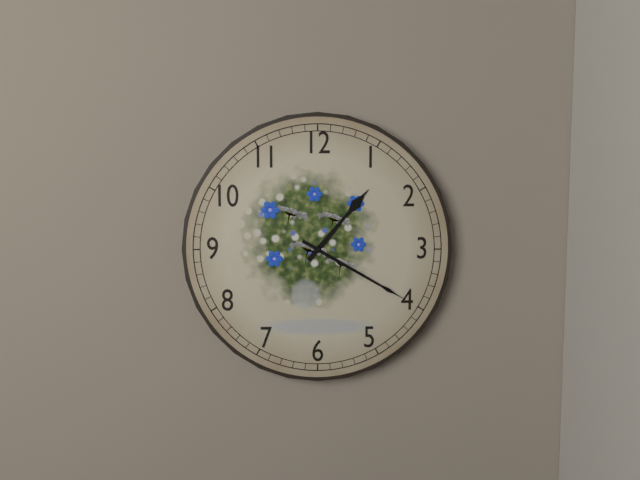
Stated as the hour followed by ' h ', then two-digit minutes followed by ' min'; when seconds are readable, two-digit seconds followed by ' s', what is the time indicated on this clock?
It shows 1 h 20 min
